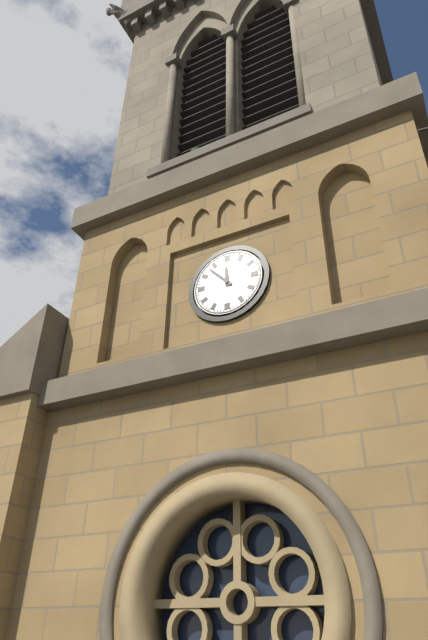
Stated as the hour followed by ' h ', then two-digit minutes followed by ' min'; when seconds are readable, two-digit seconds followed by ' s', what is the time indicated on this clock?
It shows 11 h 53 min
